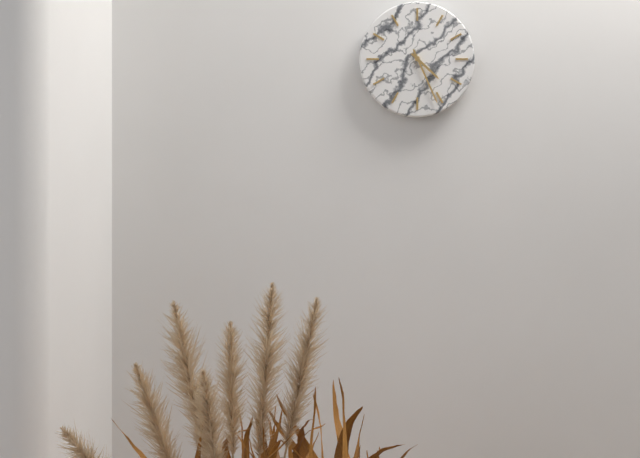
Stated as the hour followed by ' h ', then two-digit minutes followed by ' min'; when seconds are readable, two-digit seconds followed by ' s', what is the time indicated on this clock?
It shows 4 h 26 min
